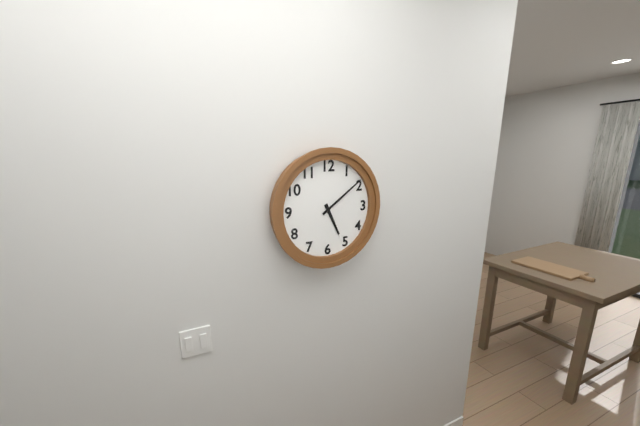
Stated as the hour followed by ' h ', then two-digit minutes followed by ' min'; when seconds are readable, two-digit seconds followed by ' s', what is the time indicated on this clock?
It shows 5 h 09 min
